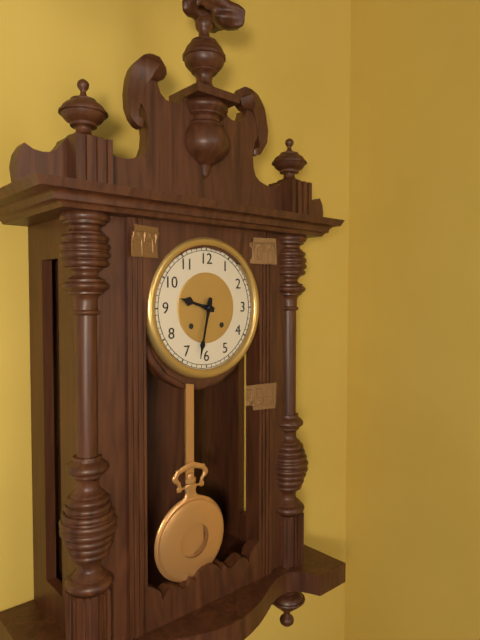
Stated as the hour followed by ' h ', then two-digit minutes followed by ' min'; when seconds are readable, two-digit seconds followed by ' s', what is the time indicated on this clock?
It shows 9 h 32 min
